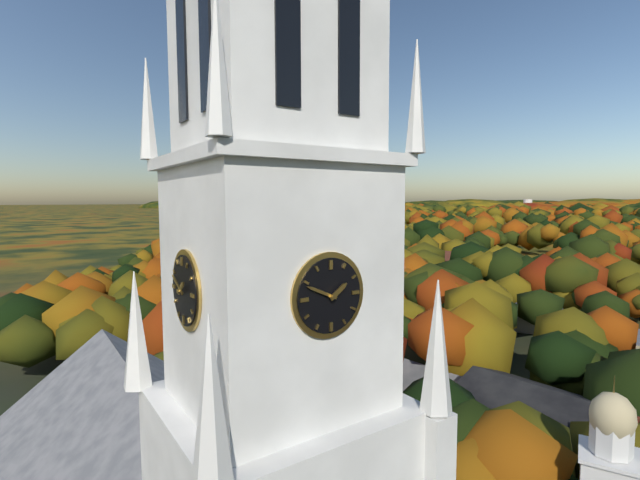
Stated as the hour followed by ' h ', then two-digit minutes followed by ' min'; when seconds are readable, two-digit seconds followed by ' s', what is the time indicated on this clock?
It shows 1 h 49 min
